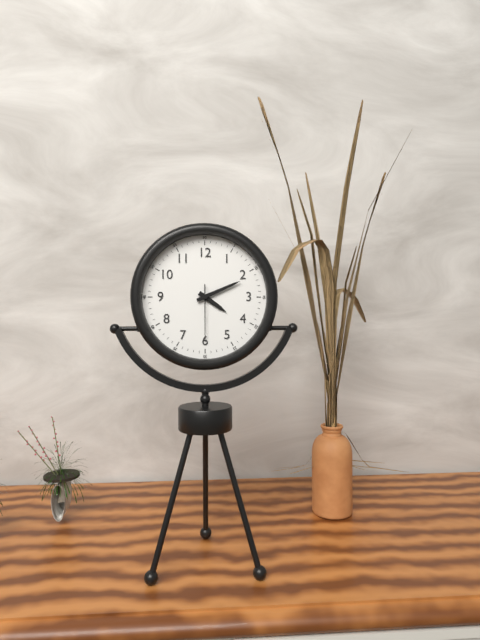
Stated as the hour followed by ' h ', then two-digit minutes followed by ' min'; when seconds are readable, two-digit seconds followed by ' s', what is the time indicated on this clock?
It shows 4 h 11 min 30 s
